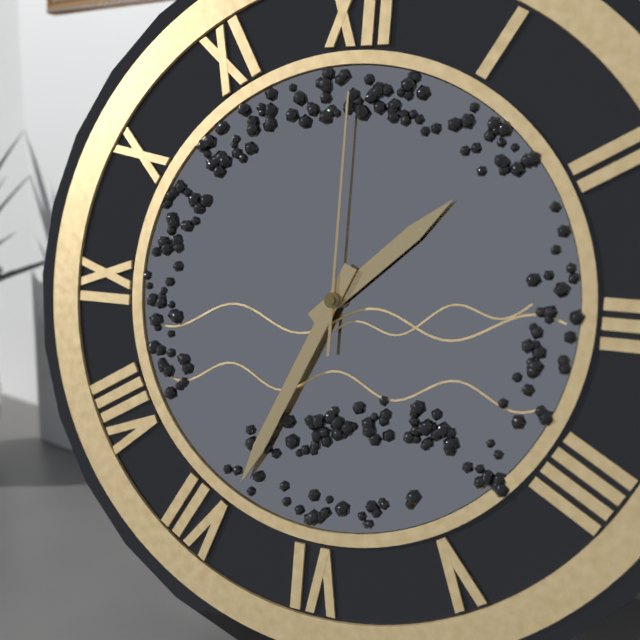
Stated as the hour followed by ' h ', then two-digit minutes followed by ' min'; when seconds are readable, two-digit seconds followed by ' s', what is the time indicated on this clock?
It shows 1 h 34 min 00 s
